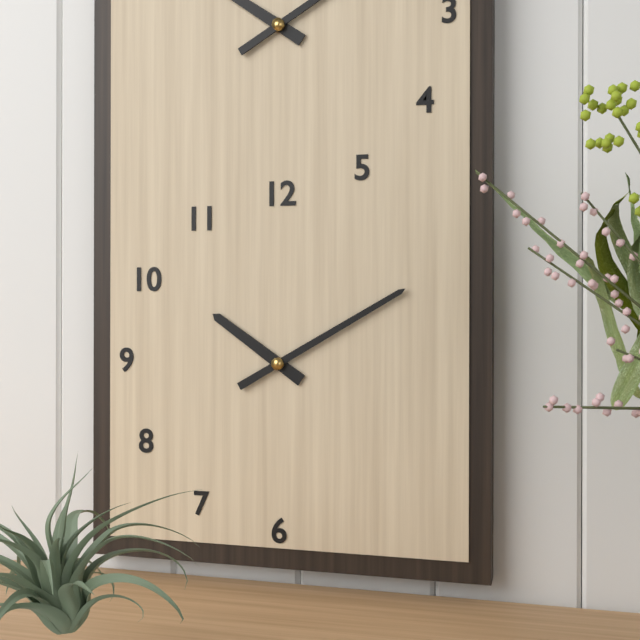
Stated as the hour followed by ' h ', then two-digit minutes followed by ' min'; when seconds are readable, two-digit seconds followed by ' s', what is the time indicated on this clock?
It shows 10 h 10 min
